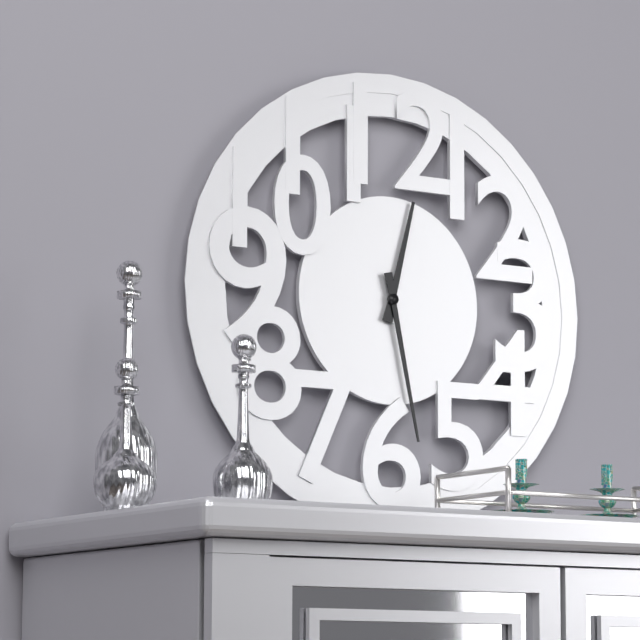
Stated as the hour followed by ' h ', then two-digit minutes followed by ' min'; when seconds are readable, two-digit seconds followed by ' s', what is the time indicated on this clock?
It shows 12 h 28 min
